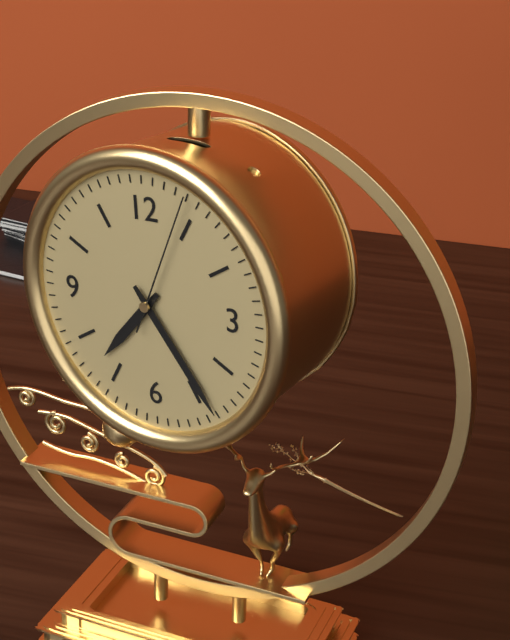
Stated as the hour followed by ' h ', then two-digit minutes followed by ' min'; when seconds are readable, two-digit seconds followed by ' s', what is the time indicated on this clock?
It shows 7 h 24 min 04 s
